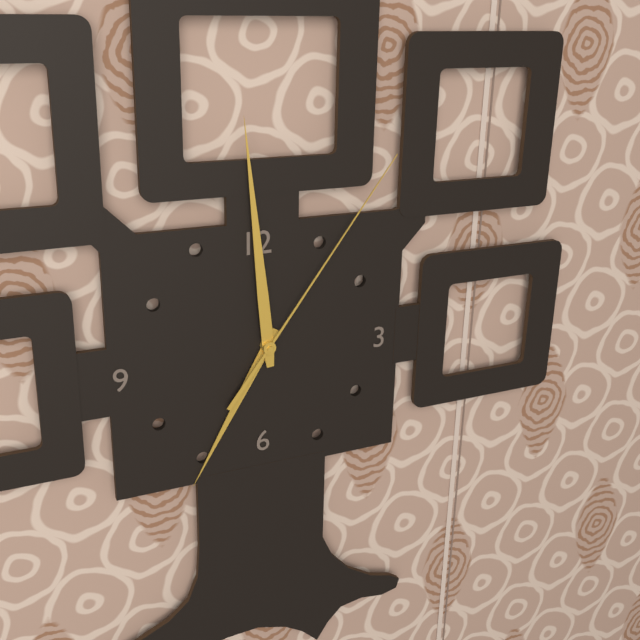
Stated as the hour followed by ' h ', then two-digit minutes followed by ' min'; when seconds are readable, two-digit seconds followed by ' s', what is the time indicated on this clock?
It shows 6 h 59 min 06 s
